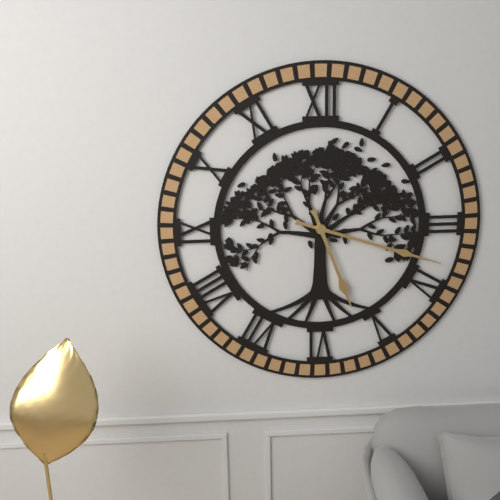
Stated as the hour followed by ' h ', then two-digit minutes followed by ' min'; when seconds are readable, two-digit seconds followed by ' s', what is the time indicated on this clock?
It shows 5 h 18 min
